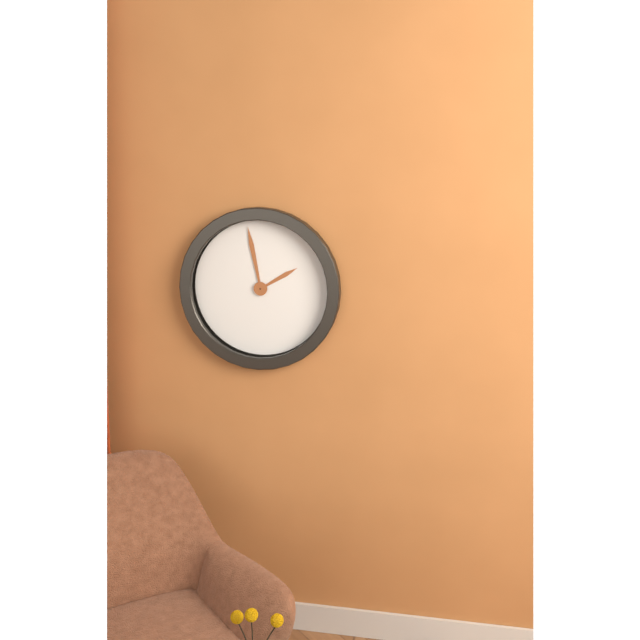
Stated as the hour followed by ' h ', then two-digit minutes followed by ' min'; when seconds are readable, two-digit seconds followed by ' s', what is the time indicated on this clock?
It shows 1 h 58 min
